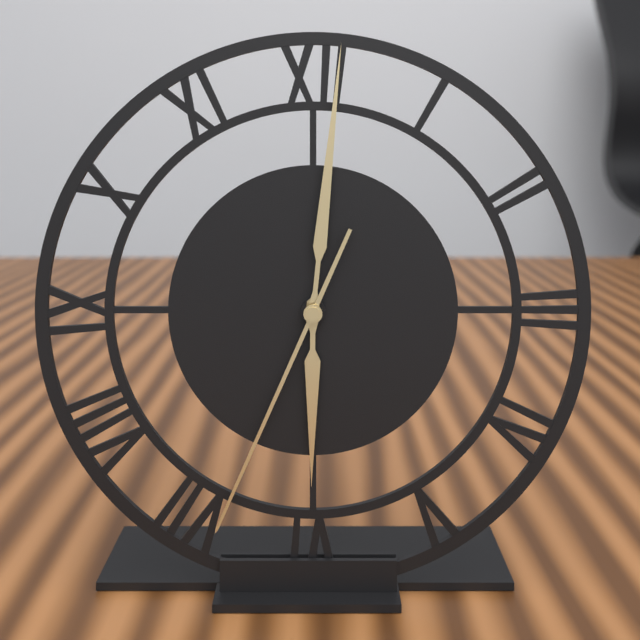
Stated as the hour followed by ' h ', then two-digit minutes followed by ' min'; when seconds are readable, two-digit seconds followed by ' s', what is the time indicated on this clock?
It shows 6 h 01 min 34 s
